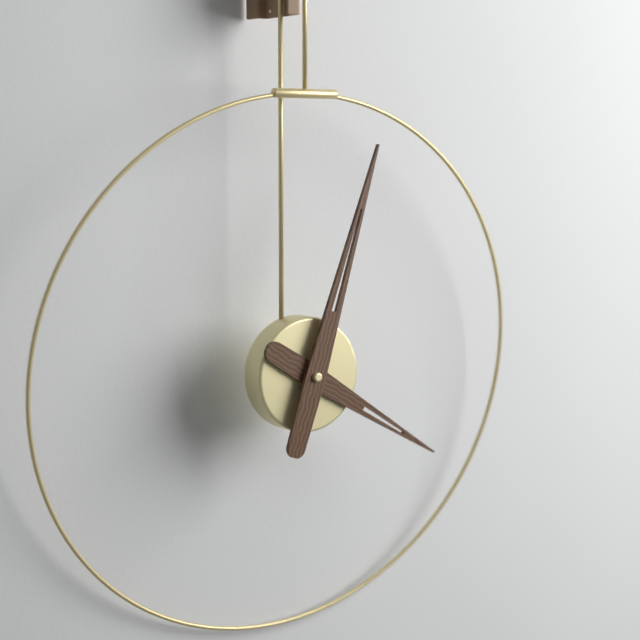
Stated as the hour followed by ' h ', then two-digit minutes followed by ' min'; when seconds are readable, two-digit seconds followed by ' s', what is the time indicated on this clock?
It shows 4 h 03 min
